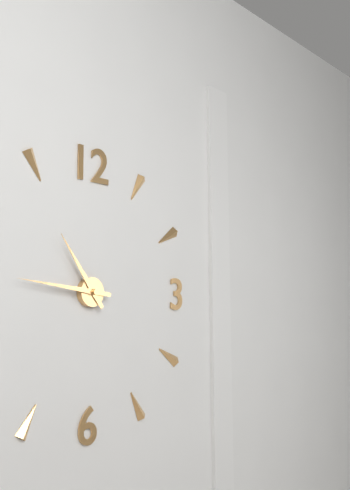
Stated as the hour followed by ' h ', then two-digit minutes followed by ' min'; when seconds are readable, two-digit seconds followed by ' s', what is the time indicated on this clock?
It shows 10 h 46 min
